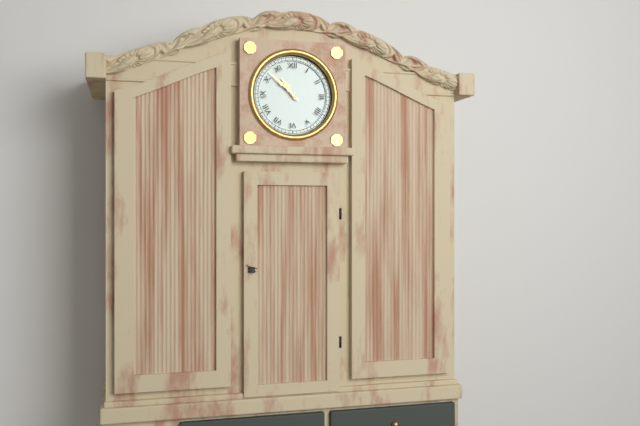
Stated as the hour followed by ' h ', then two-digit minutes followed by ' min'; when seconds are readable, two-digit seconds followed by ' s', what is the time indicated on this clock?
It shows 10 h 52 min
